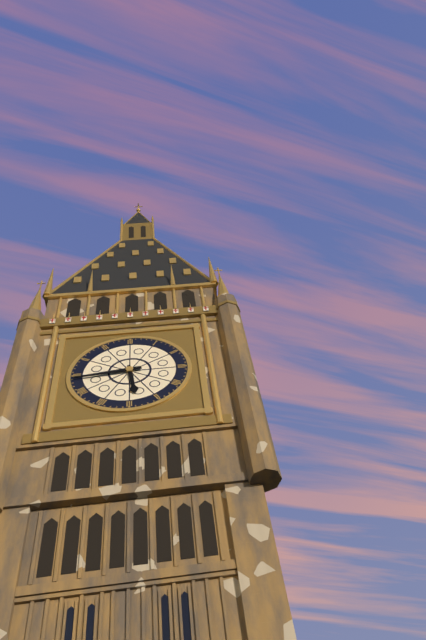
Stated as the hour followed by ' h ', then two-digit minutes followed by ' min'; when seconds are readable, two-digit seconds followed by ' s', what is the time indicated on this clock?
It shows 5 h 44 min
